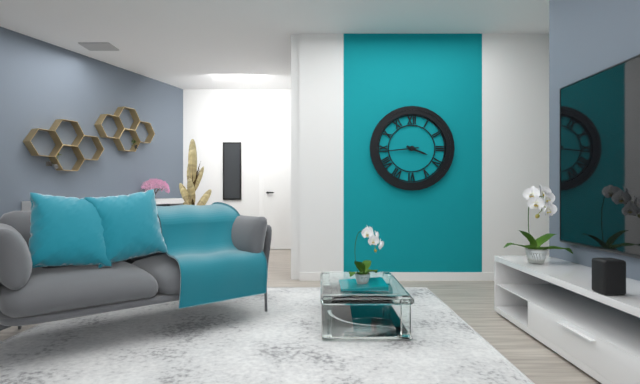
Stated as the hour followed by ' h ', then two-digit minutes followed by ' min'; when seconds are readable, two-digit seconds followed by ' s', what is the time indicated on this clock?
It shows 3 h 44 min
